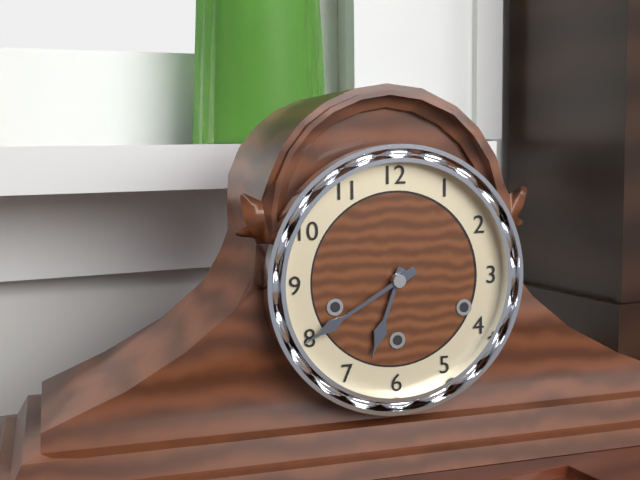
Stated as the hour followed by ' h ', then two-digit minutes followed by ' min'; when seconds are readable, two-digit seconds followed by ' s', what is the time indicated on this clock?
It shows 6 h 40 min
